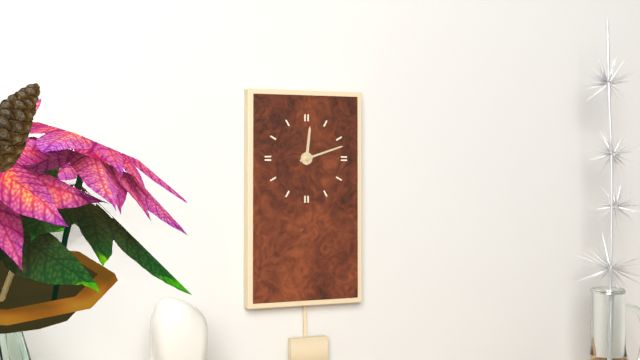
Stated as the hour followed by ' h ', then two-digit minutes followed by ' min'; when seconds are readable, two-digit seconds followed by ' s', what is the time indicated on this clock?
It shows 12 h 12 min
